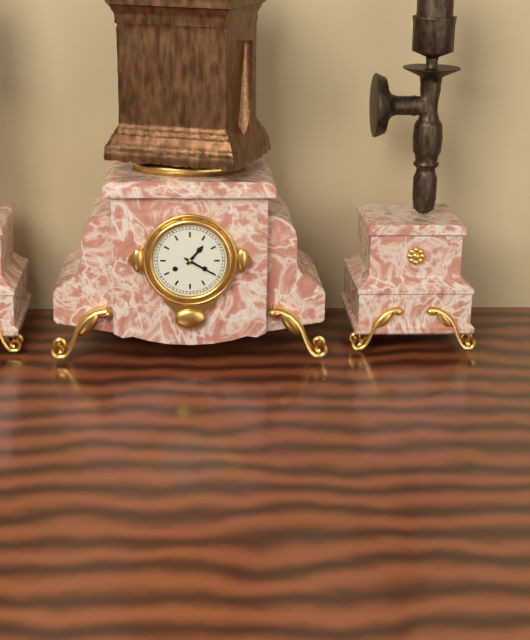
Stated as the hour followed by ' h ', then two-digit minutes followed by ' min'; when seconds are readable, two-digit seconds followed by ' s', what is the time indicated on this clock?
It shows 1 h 20 min
